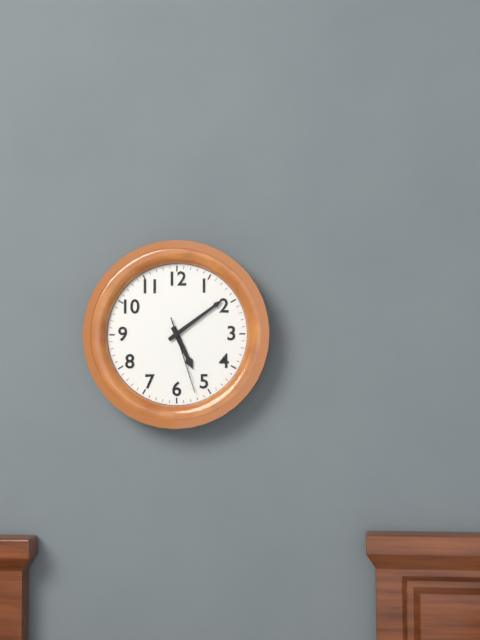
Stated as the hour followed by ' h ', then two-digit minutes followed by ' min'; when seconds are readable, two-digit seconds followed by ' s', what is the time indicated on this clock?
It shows 5 h 09 min 27 s
